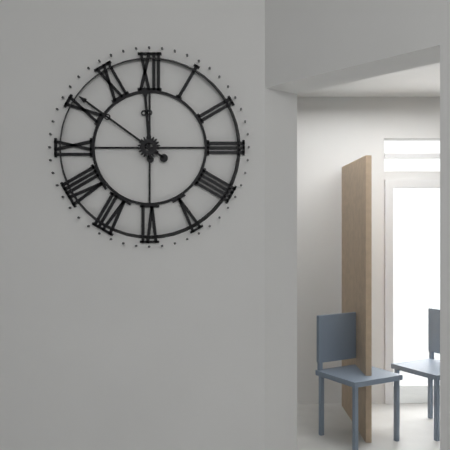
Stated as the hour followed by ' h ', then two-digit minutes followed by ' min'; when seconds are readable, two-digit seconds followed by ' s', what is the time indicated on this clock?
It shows 11 h 51 min
